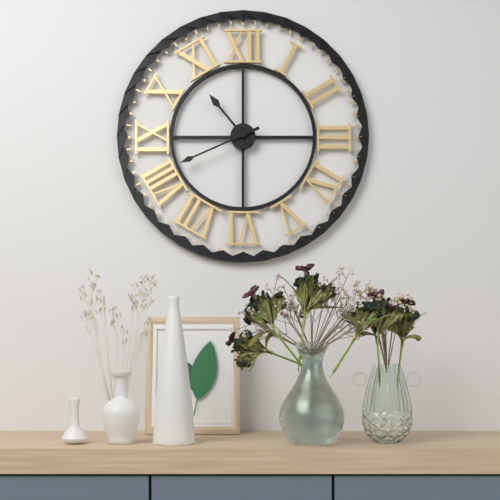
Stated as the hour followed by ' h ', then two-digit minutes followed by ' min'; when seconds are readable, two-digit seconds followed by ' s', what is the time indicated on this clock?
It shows 10 h 41 min
